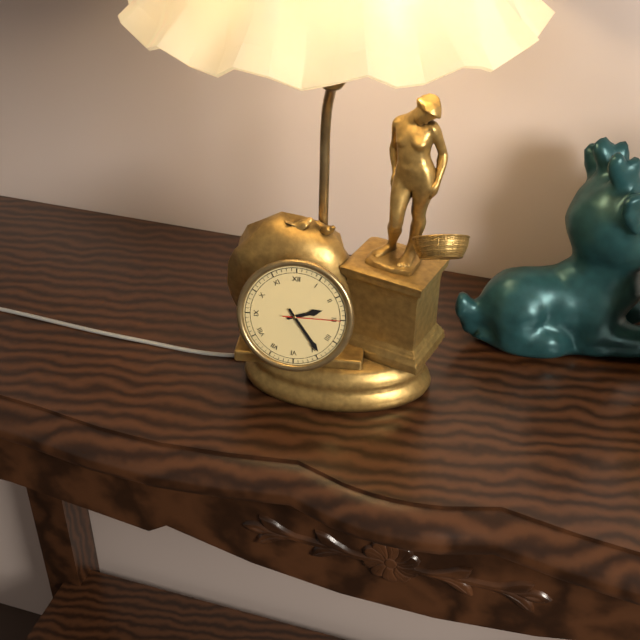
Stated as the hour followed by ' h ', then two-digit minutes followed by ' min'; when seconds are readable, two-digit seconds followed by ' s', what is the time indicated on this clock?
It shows 2 h 24 min 15 s
